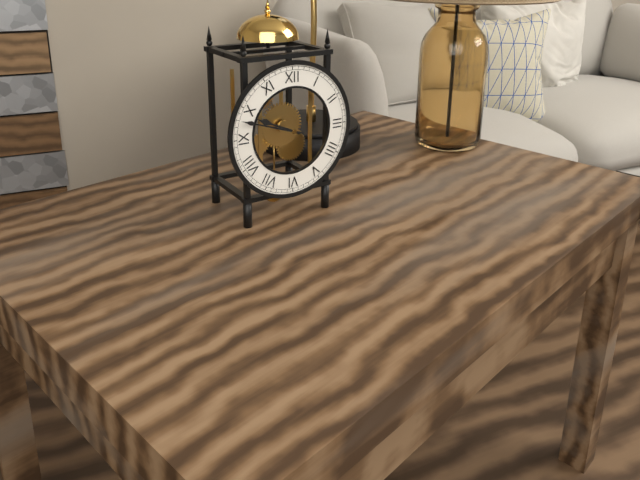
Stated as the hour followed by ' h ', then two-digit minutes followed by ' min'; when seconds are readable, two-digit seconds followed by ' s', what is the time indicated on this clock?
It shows 9 h 48 min
